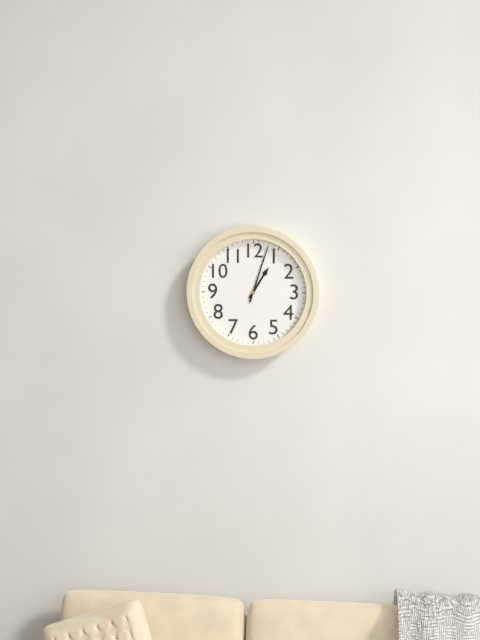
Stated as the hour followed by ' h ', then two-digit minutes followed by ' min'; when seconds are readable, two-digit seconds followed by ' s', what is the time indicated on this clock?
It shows 1 h 03 min
